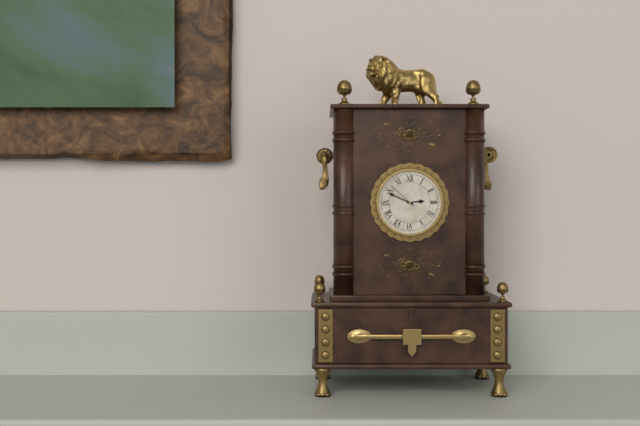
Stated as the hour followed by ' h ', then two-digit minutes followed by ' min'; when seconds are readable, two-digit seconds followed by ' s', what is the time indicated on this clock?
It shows 2 h 49 min
